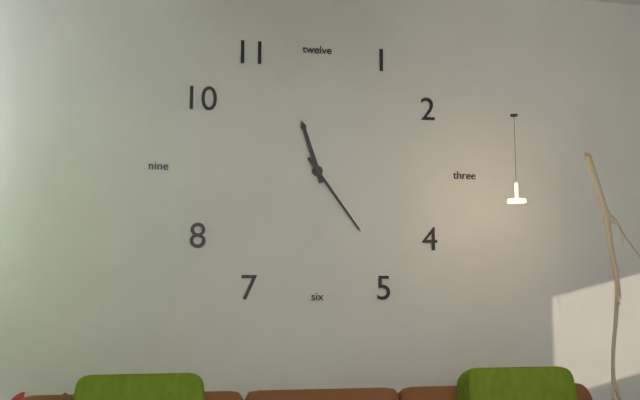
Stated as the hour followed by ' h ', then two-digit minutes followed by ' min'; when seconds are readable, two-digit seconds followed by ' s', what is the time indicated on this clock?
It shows 11 h 24 min
